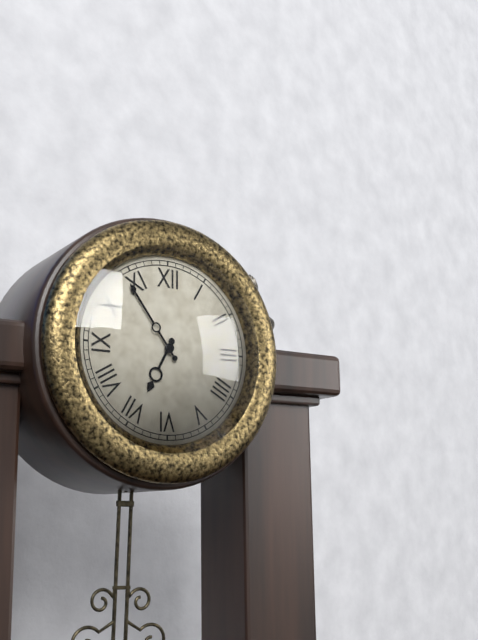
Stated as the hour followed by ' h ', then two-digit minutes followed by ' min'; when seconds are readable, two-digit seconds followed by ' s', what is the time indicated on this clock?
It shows 6 h 54 min
